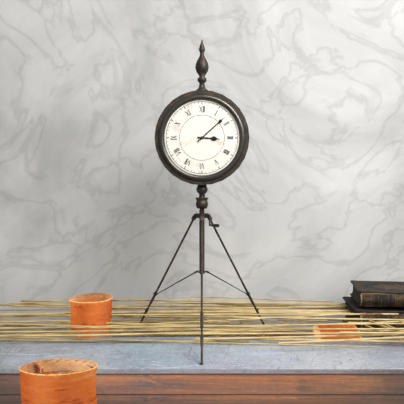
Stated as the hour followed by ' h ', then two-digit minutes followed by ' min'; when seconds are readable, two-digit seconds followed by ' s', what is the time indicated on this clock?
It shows 3 h 08 min
